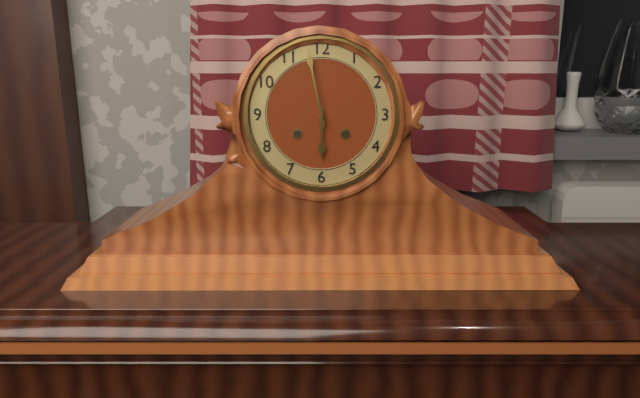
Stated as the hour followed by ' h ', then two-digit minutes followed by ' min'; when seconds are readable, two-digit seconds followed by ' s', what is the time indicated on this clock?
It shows 5 h 58 min
